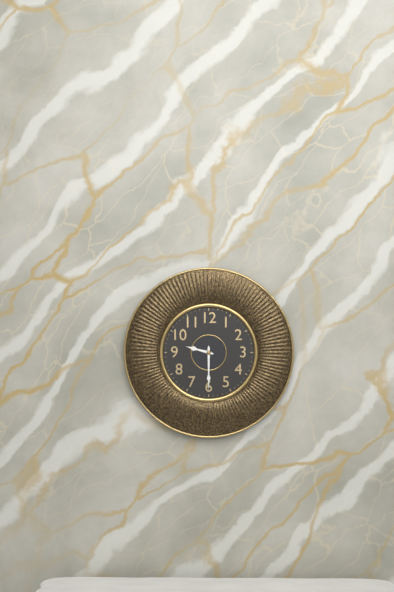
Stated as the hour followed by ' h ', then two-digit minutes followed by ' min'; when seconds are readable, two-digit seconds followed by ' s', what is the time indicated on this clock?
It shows 9 h 30 min
